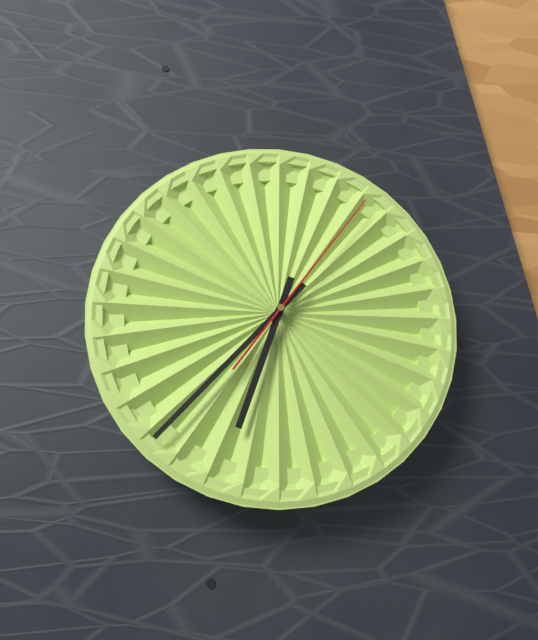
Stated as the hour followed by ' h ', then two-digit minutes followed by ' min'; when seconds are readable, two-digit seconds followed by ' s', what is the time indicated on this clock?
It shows 6 h 37 min 06 s
